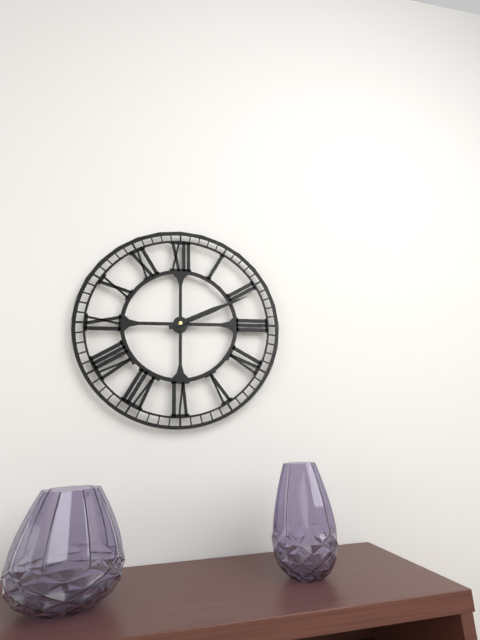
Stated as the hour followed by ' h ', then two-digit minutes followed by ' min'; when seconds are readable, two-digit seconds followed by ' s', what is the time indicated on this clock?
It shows 2 h 11 min
